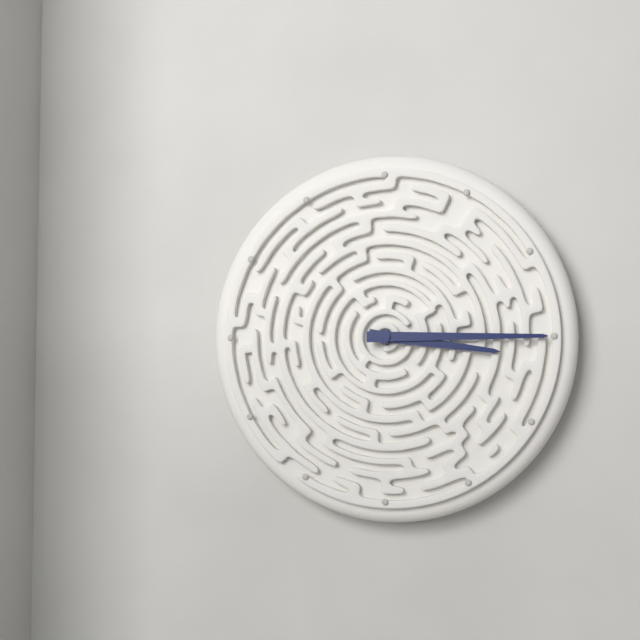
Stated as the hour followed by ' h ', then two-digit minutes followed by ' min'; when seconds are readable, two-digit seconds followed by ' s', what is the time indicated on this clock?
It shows 3 h 15 min
